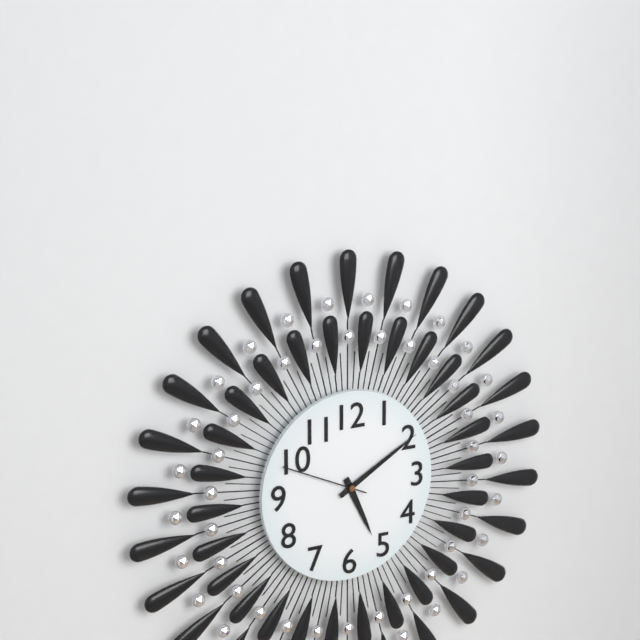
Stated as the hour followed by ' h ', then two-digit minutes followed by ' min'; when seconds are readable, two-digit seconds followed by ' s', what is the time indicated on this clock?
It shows 5 h 10 min 49 s
